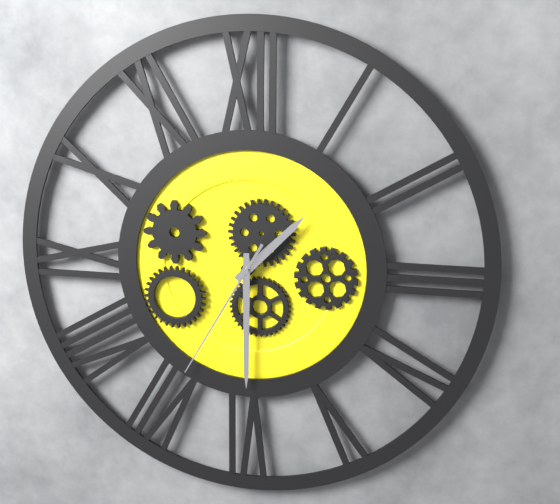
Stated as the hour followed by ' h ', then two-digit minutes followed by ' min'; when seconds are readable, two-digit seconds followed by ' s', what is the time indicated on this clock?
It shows 1 h 30 min 35 s
